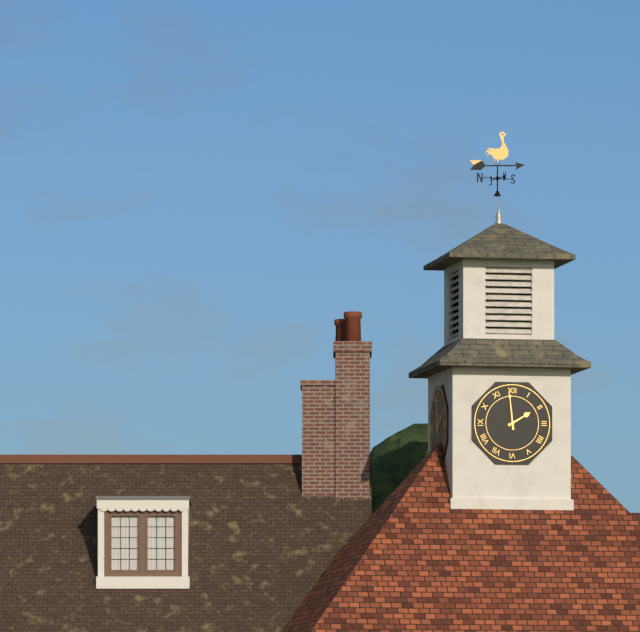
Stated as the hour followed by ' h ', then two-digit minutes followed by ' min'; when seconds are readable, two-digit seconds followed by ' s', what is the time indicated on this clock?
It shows 1 h 59 min
